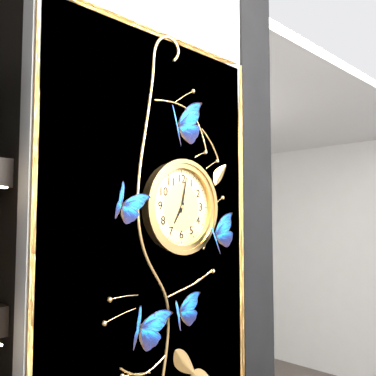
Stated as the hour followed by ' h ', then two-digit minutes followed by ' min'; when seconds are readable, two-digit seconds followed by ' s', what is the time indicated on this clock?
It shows 7 h 02 min
